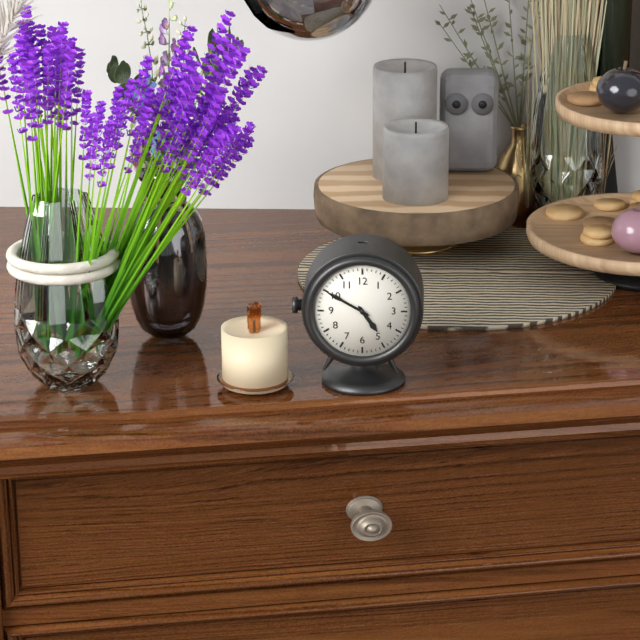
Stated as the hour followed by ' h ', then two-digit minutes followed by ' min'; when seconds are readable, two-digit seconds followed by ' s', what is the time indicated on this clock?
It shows 4 h 50 min
